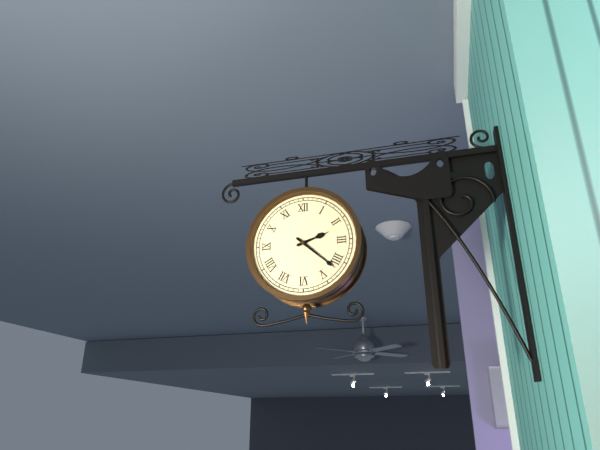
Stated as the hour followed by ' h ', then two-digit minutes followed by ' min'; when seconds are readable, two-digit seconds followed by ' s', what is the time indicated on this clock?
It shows 2 h 22 min
